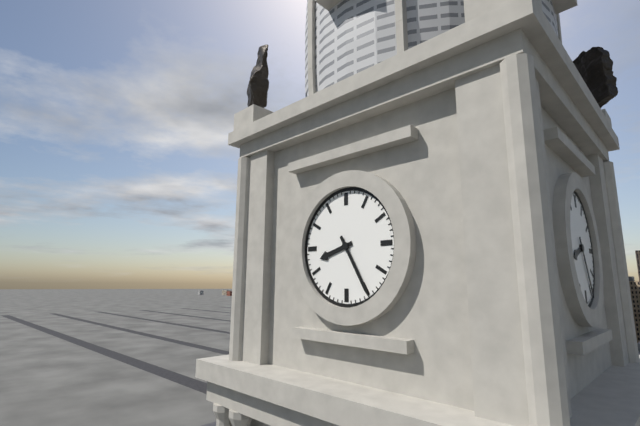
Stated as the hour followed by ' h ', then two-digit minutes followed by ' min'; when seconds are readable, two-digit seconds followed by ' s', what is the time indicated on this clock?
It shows 8 h 25 min
